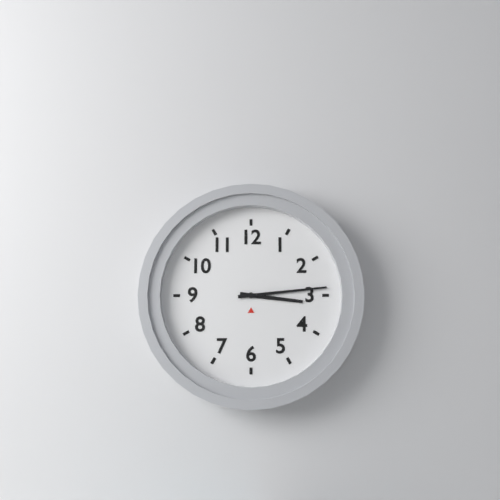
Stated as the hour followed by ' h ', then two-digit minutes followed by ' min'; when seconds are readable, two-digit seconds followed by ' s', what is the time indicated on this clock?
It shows 3 h 14 min
